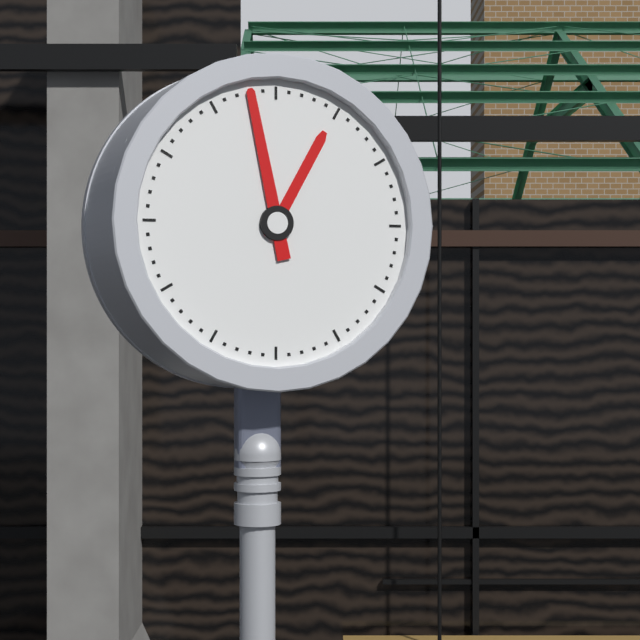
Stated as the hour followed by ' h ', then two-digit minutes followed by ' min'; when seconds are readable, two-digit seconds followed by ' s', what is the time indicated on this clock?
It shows 12 h 58 min
